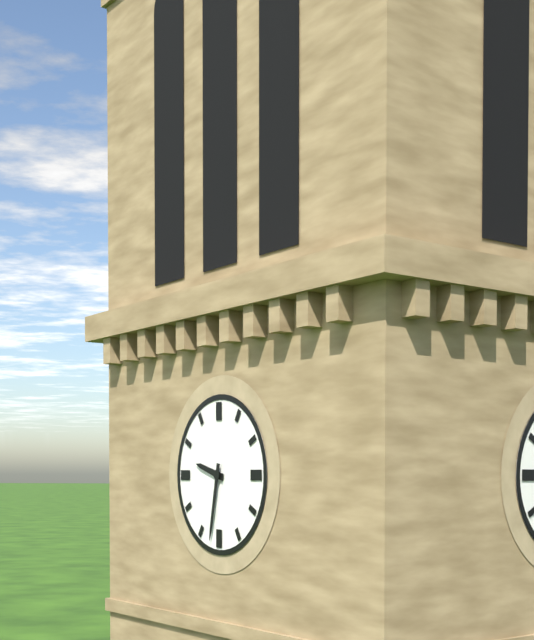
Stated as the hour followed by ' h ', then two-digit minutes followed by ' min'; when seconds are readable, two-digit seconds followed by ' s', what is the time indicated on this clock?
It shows 9 h 32 min
